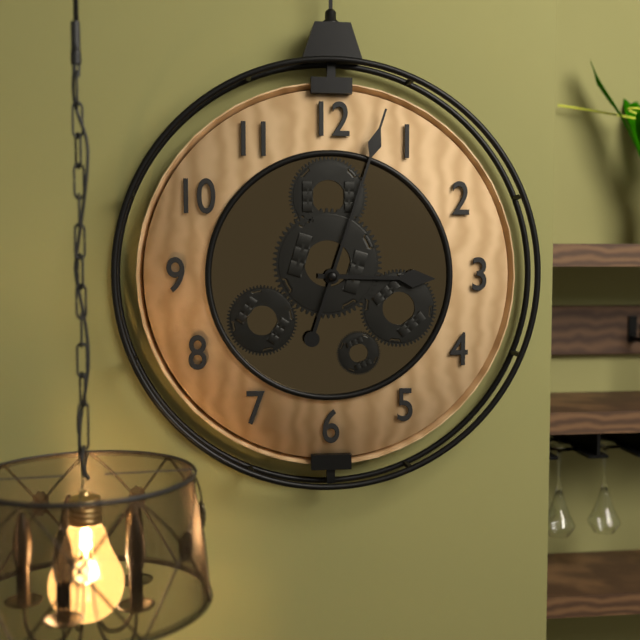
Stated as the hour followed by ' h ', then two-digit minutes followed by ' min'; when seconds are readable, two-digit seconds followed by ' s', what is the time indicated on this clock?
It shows 3 h 03 min
